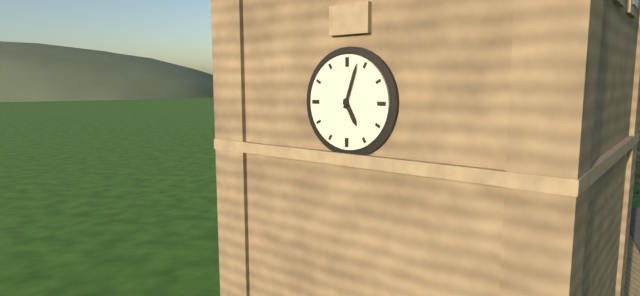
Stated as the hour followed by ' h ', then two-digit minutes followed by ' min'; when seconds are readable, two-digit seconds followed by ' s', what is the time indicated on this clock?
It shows 5 h 03 min
